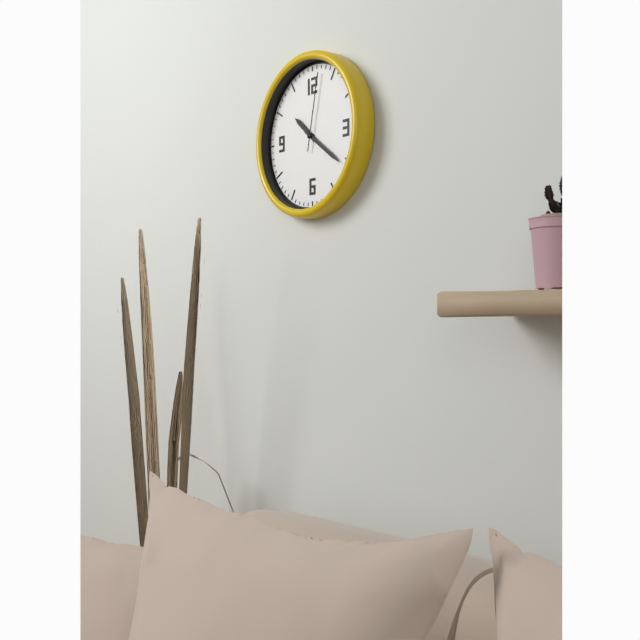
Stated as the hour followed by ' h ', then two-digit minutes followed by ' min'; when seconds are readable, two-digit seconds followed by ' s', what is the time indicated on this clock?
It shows 10 h 21 min 02 s
